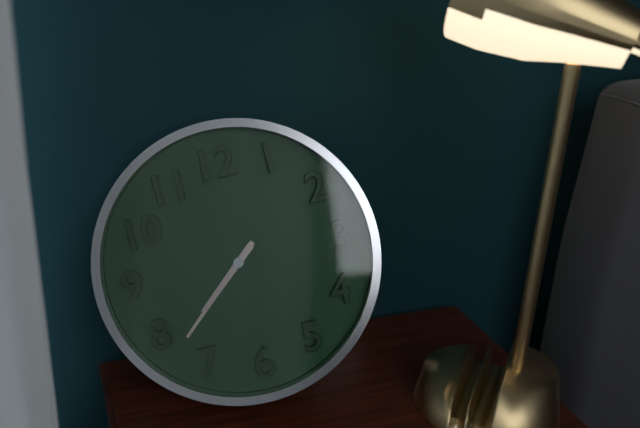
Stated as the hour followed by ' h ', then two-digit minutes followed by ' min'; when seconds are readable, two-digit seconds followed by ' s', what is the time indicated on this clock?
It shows 7 h 38 min
